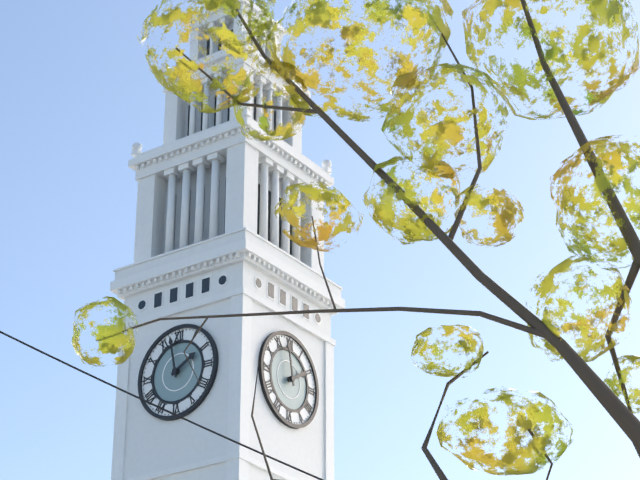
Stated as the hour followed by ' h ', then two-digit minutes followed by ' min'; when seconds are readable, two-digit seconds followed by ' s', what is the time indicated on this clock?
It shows 1 h 58 min
